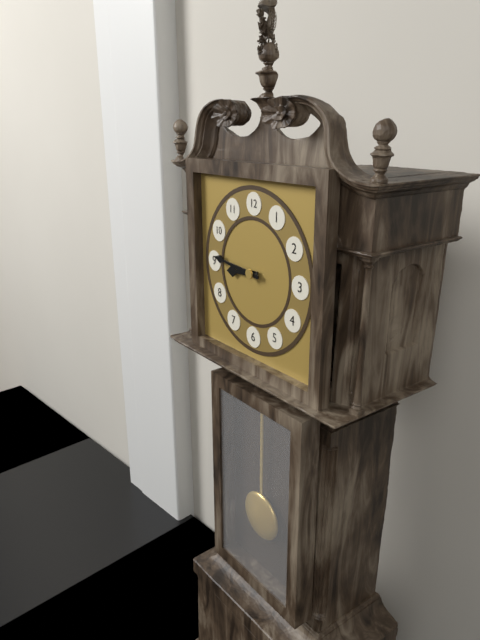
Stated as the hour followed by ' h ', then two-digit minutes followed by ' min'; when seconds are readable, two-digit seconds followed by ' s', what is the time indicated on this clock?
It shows 8 h 46 min
